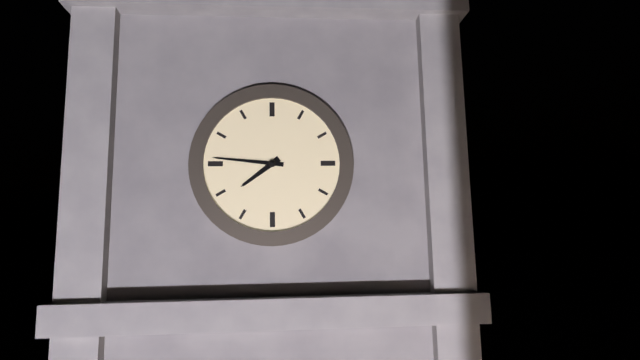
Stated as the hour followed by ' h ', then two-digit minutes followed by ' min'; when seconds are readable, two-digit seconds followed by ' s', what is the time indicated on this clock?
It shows 7 h 46 min
